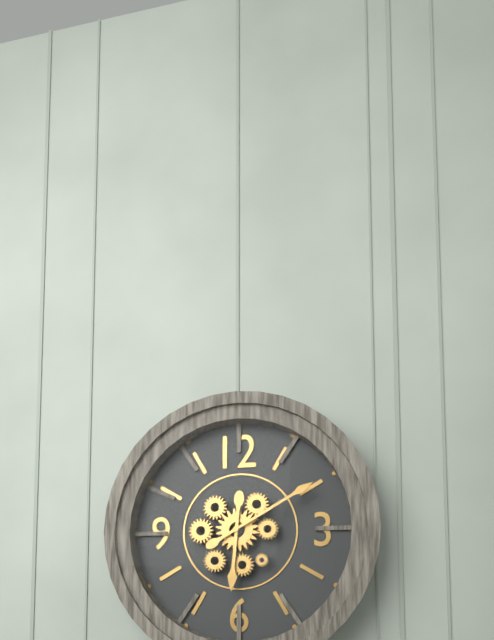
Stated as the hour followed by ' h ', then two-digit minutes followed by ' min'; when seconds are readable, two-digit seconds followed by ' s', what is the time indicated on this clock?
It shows 6 h 10 min
